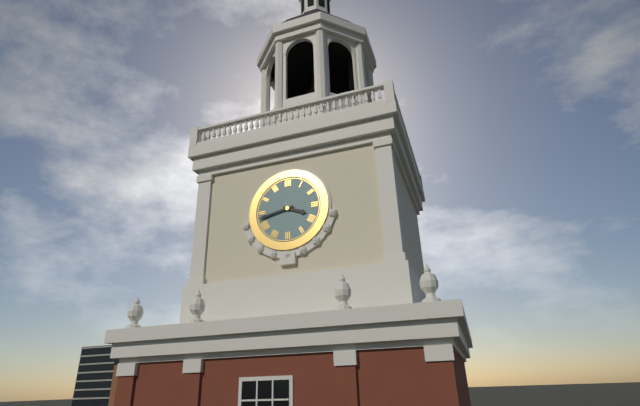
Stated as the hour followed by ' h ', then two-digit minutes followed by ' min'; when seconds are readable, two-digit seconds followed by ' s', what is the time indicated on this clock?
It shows 3 h 43 min
